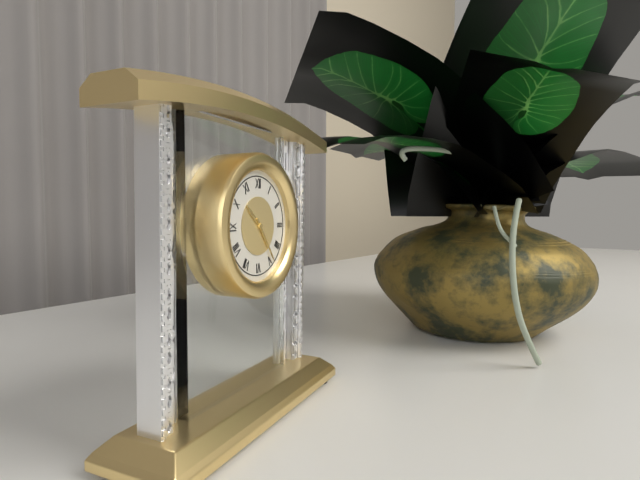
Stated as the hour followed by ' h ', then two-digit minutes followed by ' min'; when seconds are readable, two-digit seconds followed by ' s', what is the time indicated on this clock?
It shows 10 h 24 min
